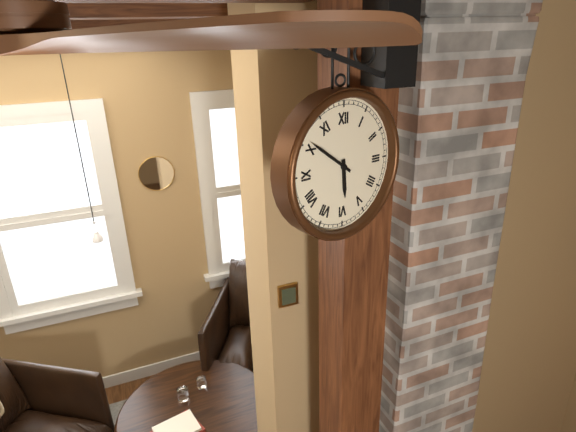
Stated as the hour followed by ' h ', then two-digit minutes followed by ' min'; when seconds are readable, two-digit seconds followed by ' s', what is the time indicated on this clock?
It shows 5 h 51 min
